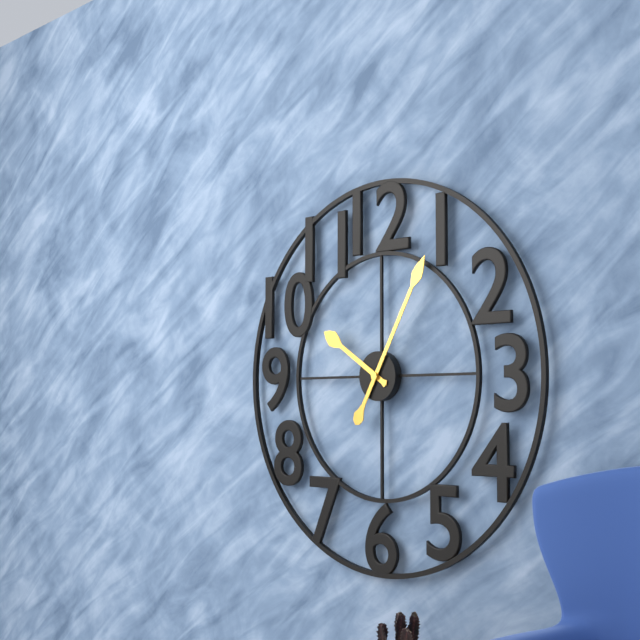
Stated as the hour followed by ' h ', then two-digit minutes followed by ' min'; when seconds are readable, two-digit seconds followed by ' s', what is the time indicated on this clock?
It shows 10 h 05 min
